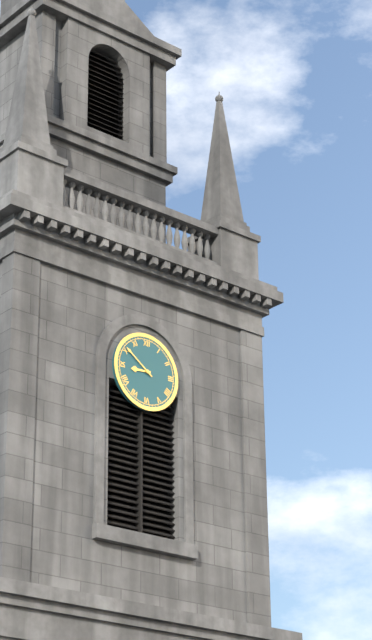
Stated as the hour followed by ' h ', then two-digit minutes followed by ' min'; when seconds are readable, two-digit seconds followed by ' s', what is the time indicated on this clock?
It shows 8 h 51 min
